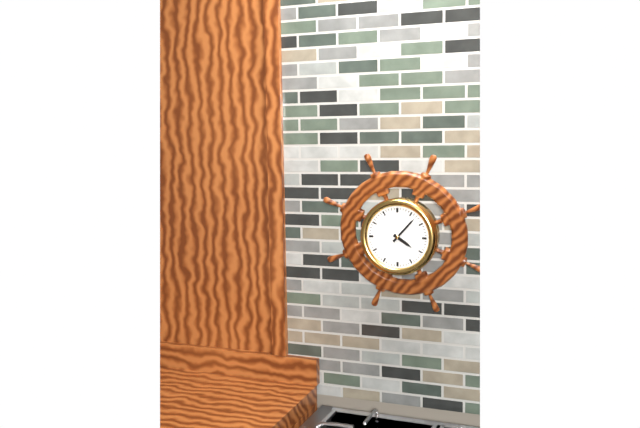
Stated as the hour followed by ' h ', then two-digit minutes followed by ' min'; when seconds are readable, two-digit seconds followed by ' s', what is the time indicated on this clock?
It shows 4 h 07 min
